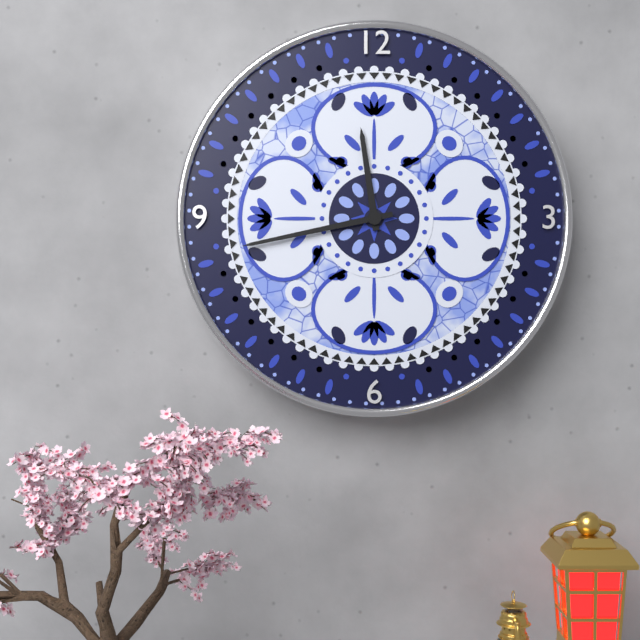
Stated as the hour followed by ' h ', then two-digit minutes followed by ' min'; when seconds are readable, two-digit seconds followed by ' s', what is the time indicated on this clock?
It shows 11 h 43 min
